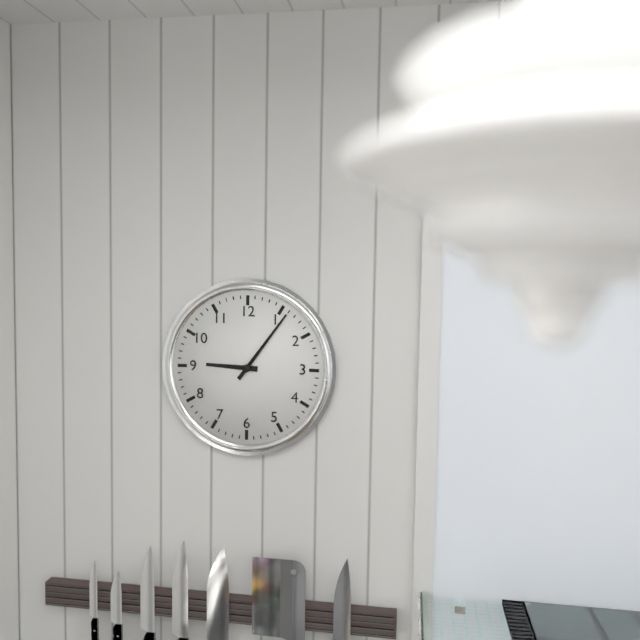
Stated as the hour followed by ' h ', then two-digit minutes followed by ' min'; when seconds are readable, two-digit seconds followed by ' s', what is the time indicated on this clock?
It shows 9 h 06 min
